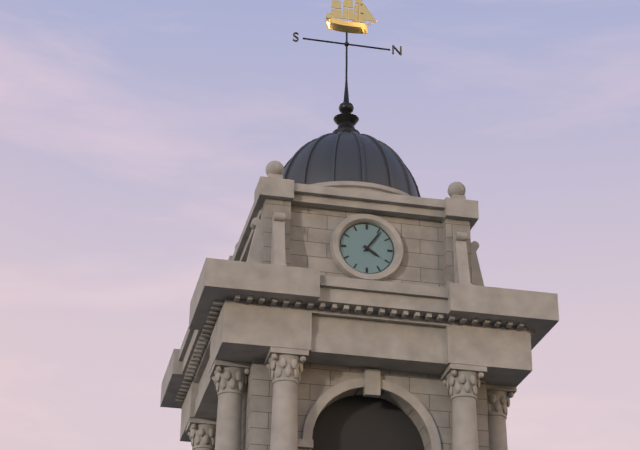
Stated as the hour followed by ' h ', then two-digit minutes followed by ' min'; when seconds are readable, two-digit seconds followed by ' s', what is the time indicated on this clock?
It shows 4 h 06 min
